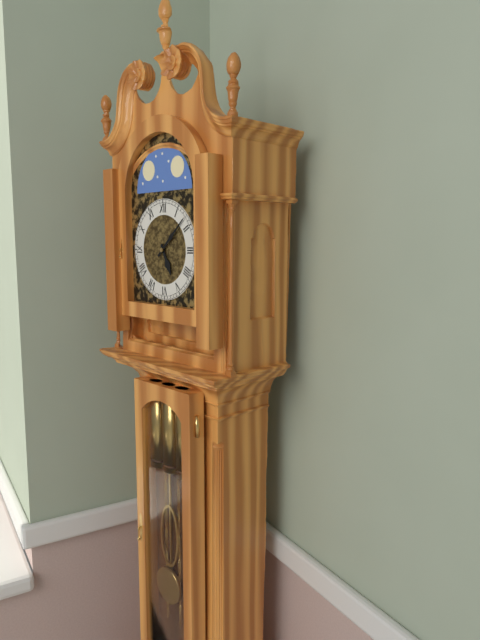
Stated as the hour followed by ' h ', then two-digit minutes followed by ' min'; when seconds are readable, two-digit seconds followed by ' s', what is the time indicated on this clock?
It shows 5 h 08 min
